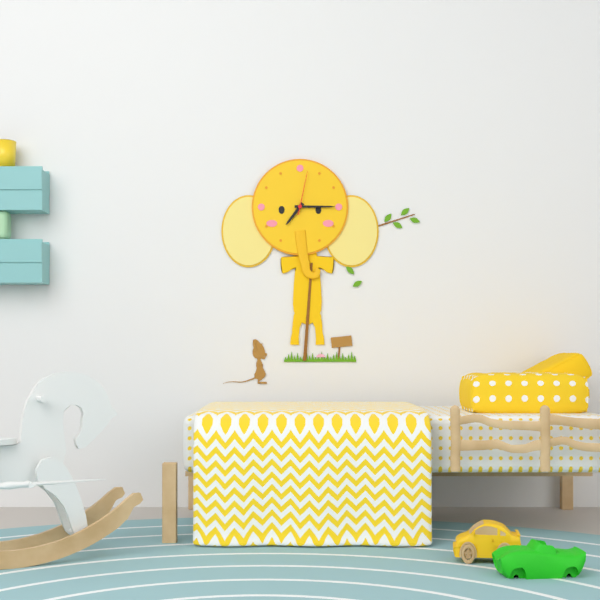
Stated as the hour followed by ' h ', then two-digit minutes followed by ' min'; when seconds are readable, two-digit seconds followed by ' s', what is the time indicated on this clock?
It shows 7 h 15 min
